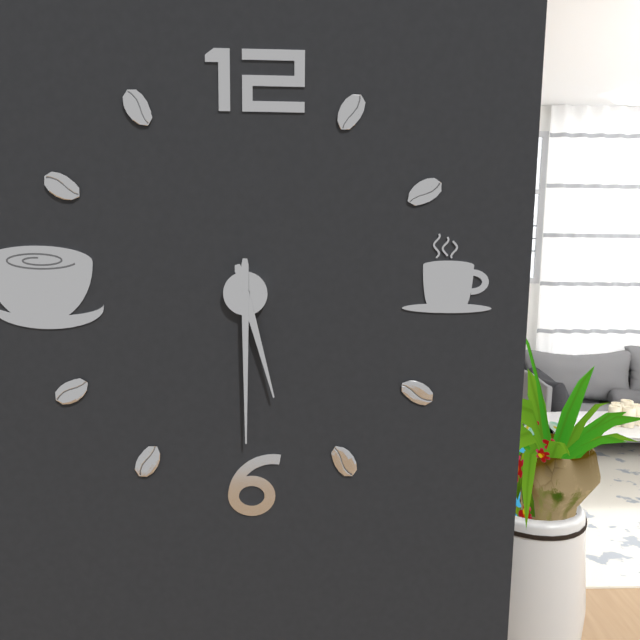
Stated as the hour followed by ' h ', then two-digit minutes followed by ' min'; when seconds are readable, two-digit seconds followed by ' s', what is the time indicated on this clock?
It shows 5 h 30 min
